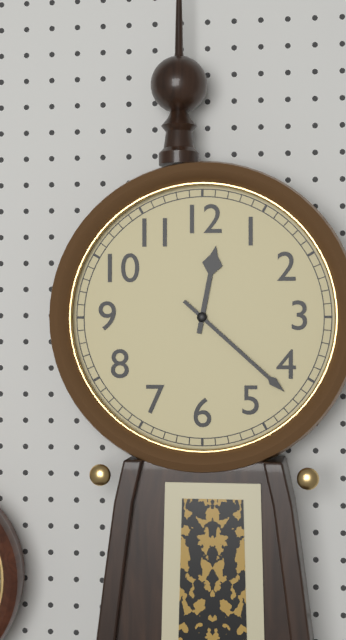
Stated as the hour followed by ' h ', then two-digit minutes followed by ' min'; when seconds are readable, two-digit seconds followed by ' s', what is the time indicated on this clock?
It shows 12 h 22 min
